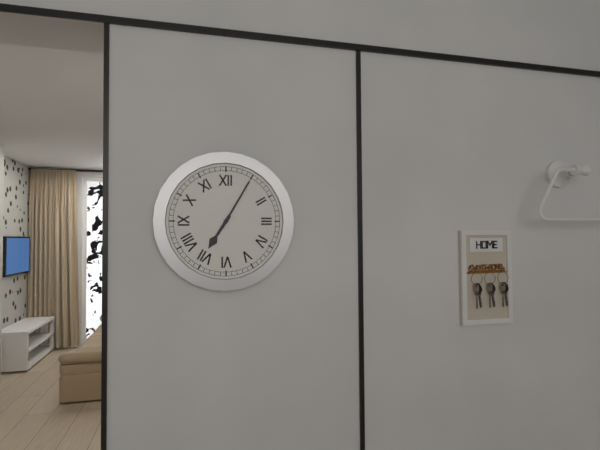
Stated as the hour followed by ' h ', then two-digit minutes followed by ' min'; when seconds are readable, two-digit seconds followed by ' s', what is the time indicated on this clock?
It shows 7 h 05 min
